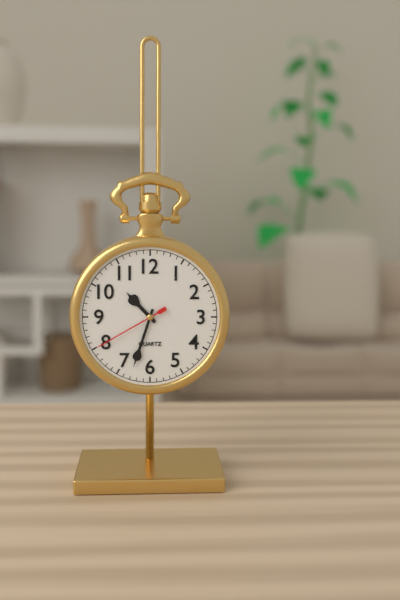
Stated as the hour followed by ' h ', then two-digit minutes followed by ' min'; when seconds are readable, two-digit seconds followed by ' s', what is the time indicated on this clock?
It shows 10 h 33 min 40 s
